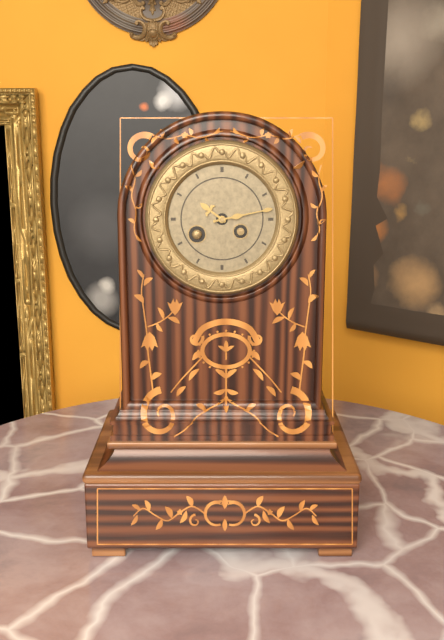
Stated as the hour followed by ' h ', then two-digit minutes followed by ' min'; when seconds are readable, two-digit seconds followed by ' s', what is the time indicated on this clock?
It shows 10 h 13 min
